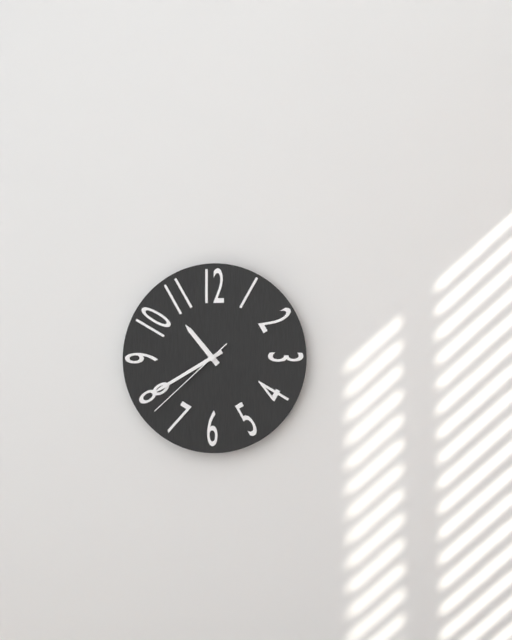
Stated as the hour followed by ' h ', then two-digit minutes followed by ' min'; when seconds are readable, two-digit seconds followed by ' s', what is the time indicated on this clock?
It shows 10 h 40 min 38 s
